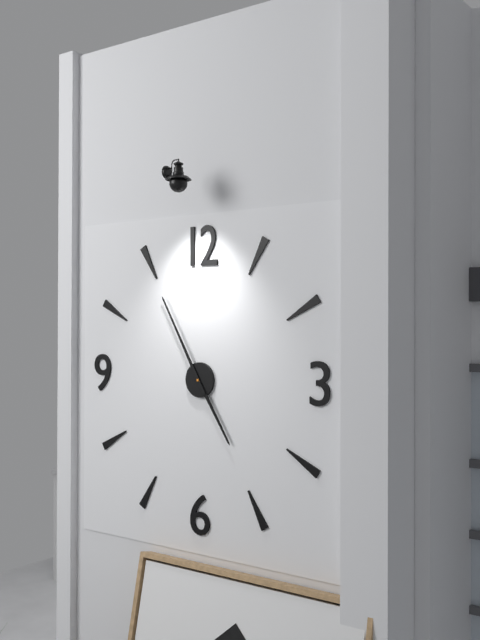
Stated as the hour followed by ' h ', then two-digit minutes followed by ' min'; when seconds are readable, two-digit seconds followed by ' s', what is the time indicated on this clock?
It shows 4 h 55 min
